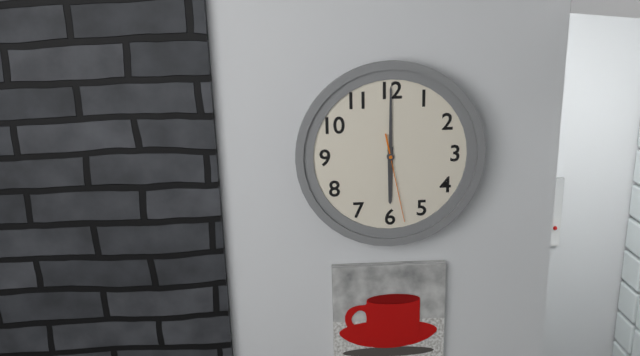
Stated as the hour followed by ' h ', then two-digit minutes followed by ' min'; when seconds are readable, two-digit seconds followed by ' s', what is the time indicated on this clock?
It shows 6 h 00 min 28 s
